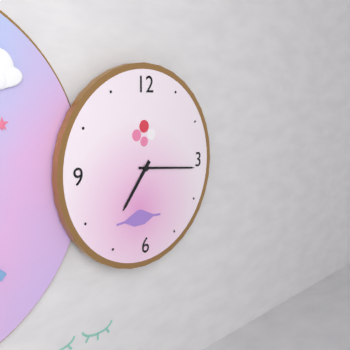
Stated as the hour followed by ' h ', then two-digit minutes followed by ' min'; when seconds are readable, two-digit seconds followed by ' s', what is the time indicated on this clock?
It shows 7 h 16 min
